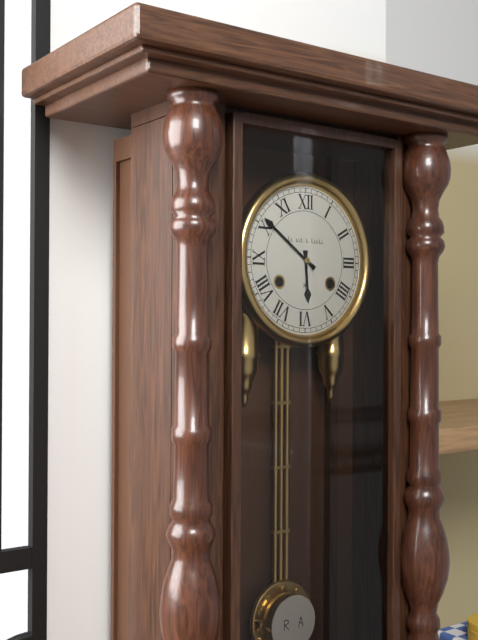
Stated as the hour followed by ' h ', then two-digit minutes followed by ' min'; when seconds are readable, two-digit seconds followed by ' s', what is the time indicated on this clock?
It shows 5 h 51 min
